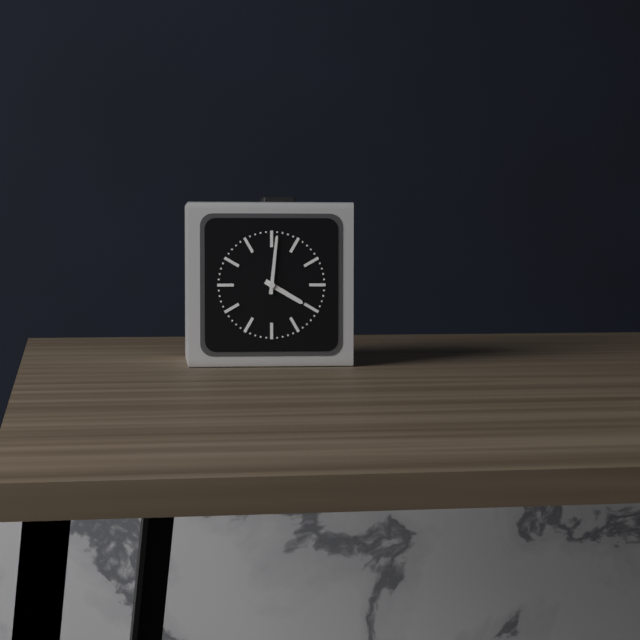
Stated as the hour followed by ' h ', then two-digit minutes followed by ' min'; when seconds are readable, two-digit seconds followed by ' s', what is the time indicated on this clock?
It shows 4 h 01 min
